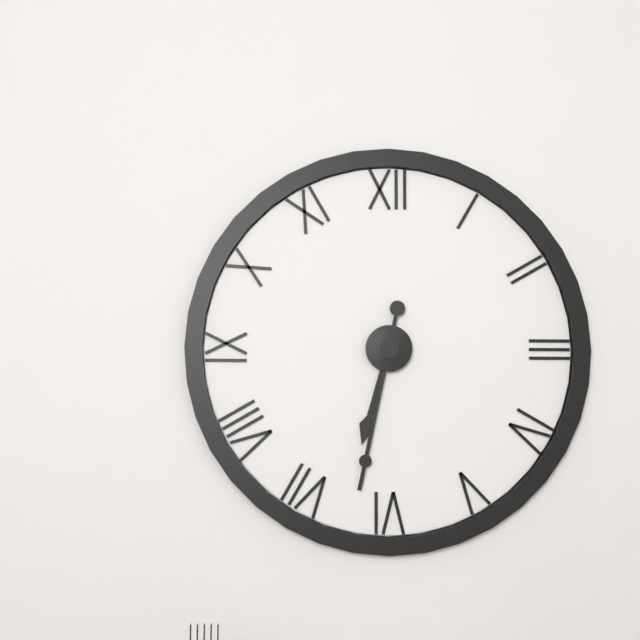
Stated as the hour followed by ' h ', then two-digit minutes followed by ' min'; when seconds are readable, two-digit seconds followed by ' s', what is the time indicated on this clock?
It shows 6 h 32 min
